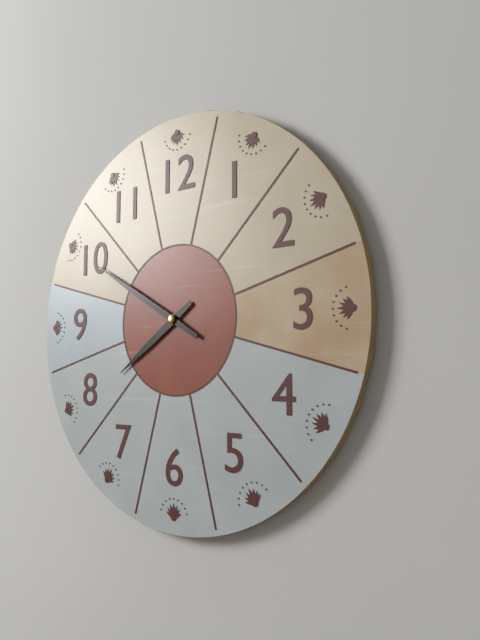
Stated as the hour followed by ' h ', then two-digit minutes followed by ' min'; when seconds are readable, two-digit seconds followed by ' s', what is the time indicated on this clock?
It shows 7 h 50 min
